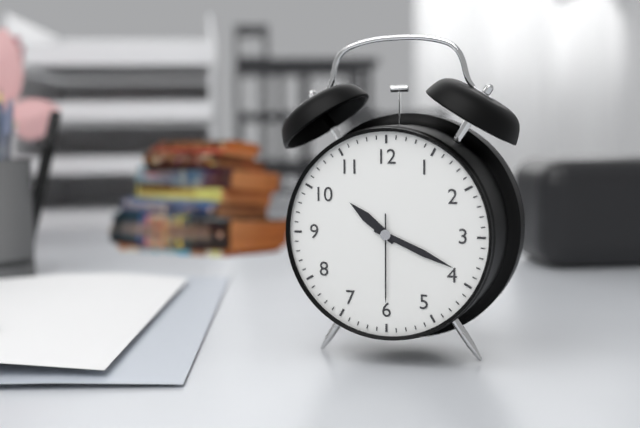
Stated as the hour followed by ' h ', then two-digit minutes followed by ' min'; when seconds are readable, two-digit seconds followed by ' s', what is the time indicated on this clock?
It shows 10 h 19 min 30 s
